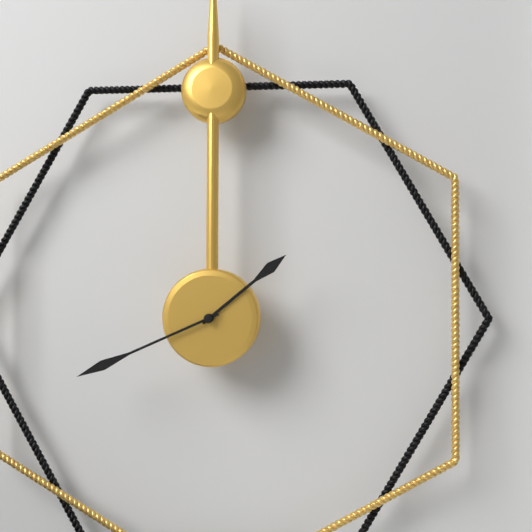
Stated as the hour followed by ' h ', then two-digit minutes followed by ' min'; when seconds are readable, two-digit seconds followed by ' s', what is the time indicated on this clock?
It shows 1 h 41 min
